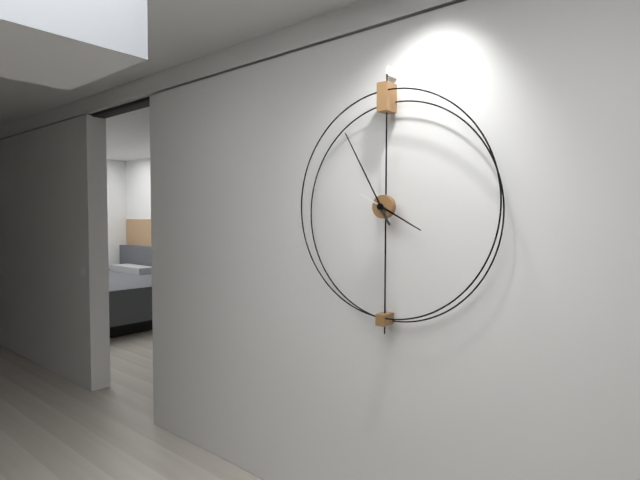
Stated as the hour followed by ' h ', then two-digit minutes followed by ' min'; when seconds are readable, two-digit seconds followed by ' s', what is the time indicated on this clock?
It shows 3 h 55 min
